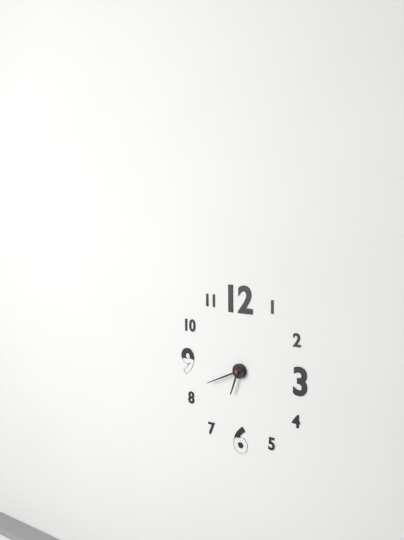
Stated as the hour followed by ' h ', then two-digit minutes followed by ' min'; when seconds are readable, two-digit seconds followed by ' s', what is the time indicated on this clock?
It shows 6 h 41 min
